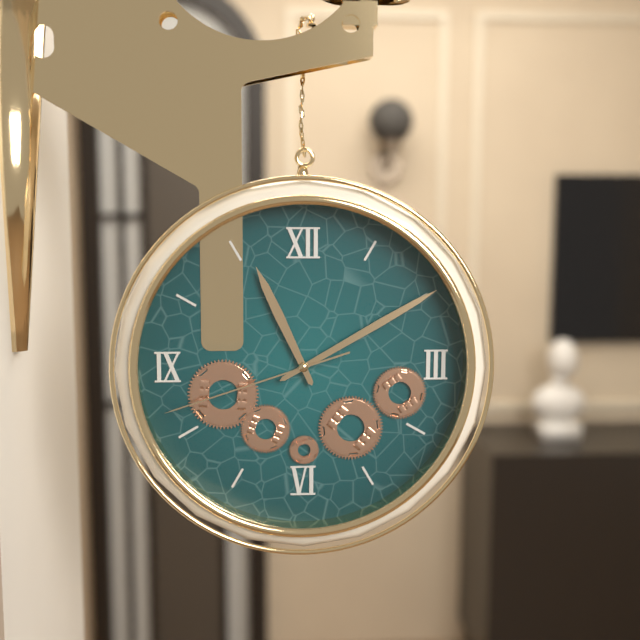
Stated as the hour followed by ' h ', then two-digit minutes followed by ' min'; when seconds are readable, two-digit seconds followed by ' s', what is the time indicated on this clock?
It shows 11 h 10 min 42 s
